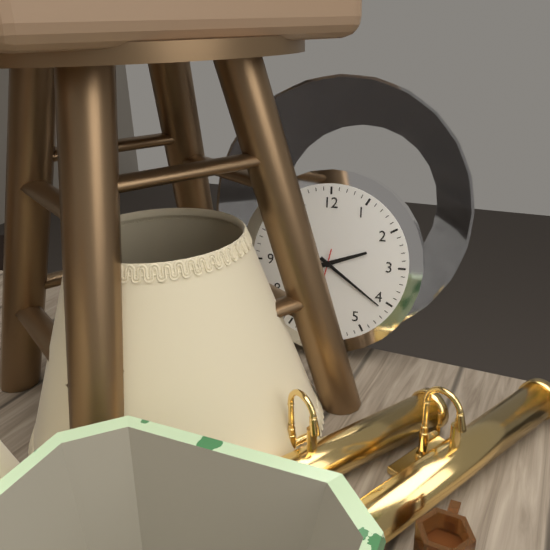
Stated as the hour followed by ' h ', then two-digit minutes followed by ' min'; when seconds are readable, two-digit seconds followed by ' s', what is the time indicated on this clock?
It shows 2 h 21 min
